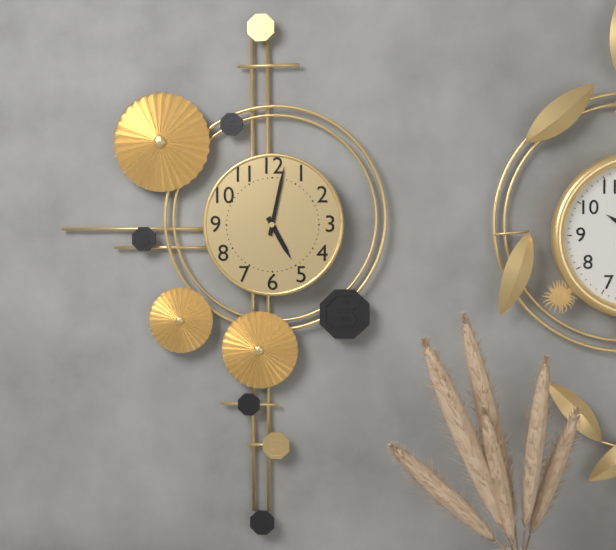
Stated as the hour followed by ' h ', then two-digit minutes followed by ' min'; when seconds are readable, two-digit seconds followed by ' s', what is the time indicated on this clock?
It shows 5 h 02 min
